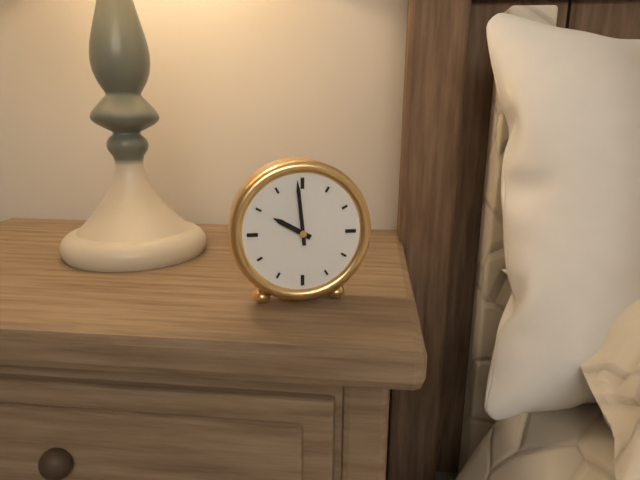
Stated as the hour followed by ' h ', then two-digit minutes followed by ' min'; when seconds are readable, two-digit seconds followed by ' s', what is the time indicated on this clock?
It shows 9 h 59 min
